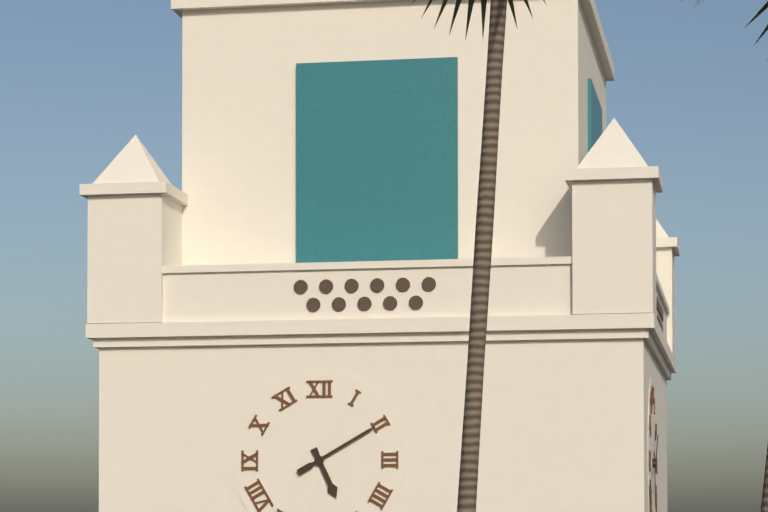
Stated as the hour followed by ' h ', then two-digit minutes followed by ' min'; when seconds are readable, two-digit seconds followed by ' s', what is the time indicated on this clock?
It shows 5 h 10 min
